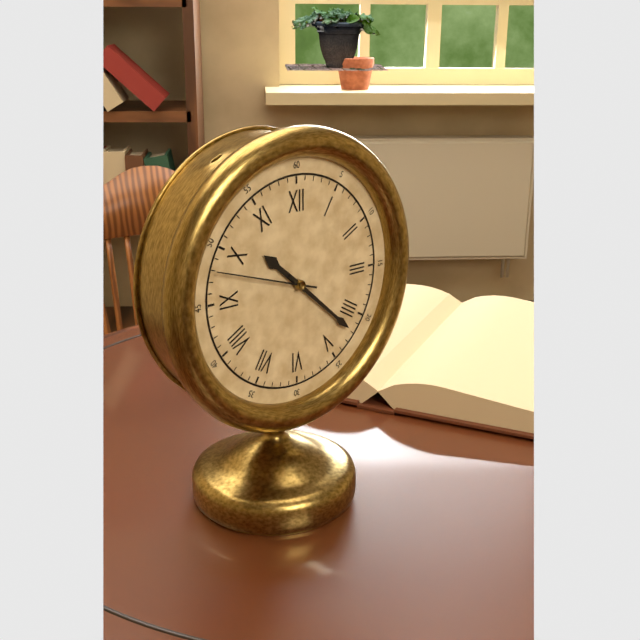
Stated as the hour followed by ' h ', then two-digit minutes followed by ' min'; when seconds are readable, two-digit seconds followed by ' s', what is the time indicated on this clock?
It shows 10 h 22 min 48 s
